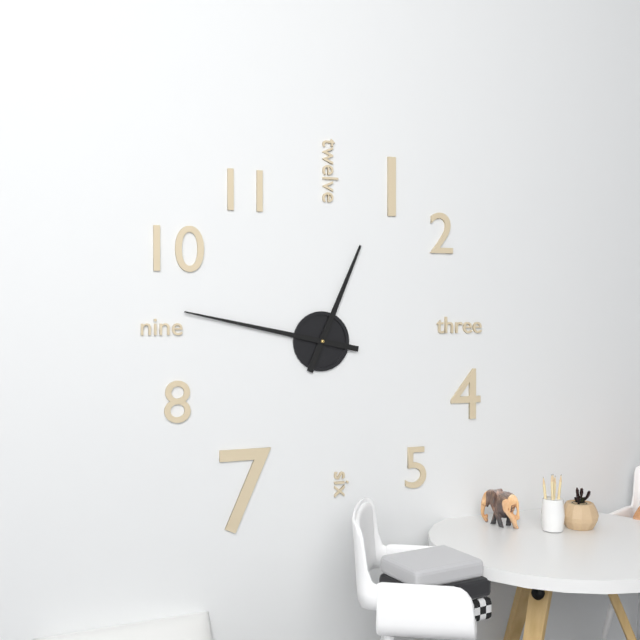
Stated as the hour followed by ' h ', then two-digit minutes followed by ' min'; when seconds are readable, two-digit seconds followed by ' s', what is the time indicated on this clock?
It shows 12 h 47 min
